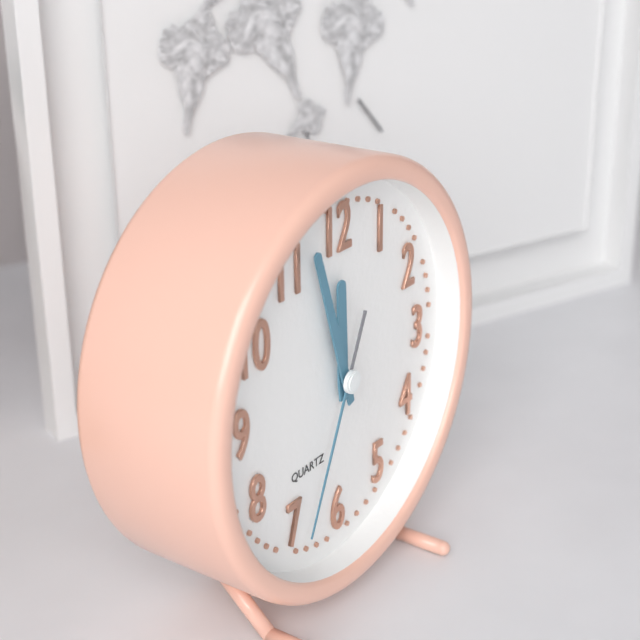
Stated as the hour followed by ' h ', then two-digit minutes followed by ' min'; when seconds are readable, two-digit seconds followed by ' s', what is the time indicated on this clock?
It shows 11 h 57 min 34 s
